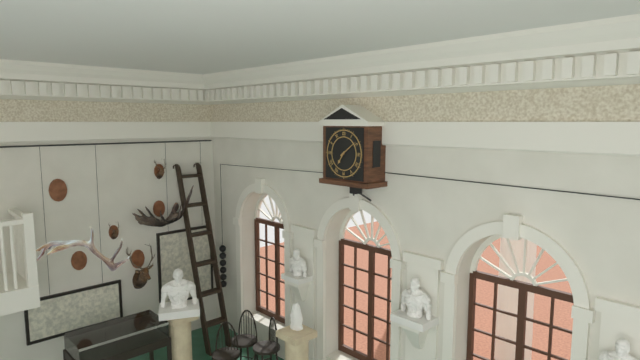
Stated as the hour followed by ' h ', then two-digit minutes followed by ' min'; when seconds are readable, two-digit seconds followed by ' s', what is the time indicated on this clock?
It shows 7 h 09 min
